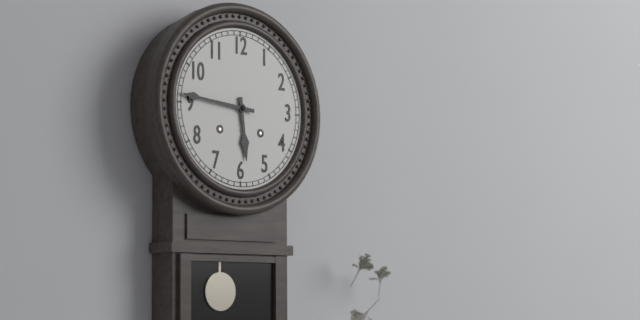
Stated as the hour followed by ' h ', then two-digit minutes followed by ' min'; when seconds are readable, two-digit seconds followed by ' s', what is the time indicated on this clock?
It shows 5 h 46 min
